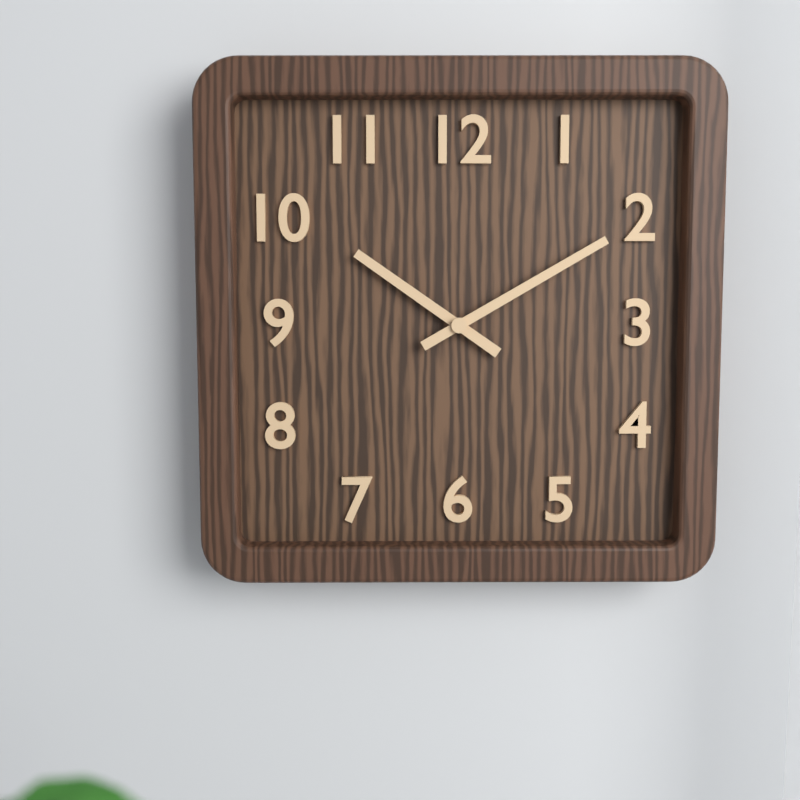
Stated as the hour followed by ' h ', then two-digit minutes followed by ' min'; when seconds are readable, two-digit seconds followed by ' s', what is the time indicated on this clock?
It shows 10 h 10 min
